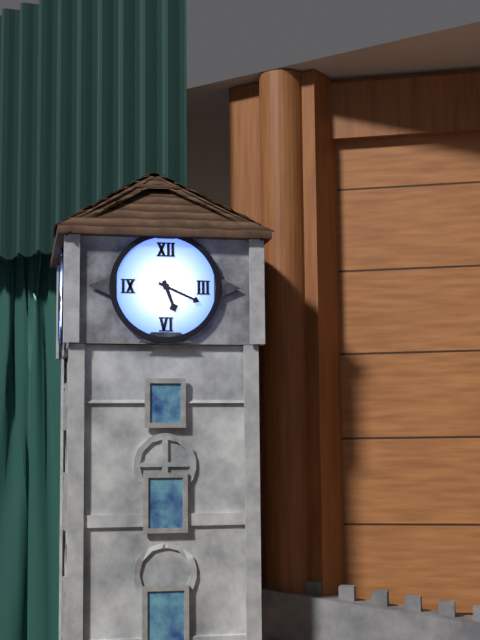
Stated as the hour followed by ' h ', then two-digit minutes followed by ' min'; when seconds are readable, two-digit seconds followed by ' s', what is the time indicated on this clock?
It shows 5 h 19 min
